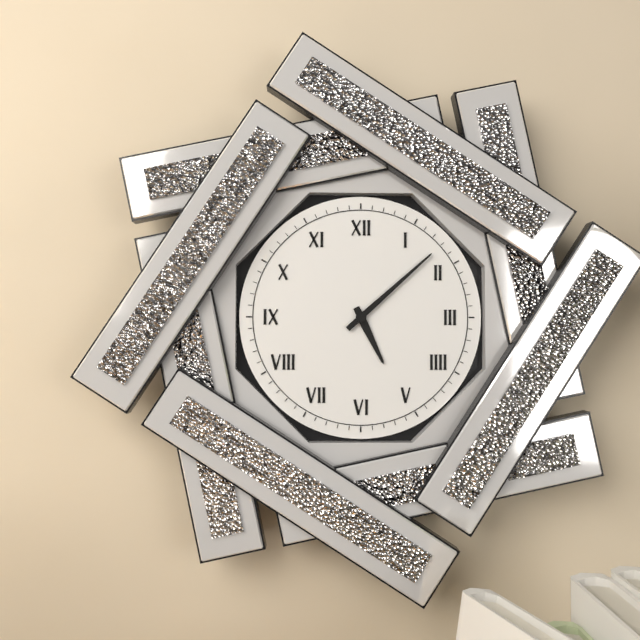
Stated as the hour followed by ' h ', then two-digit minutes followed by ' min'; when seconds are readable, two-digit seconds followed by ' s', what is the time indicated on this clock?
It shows 5 h 08 min
